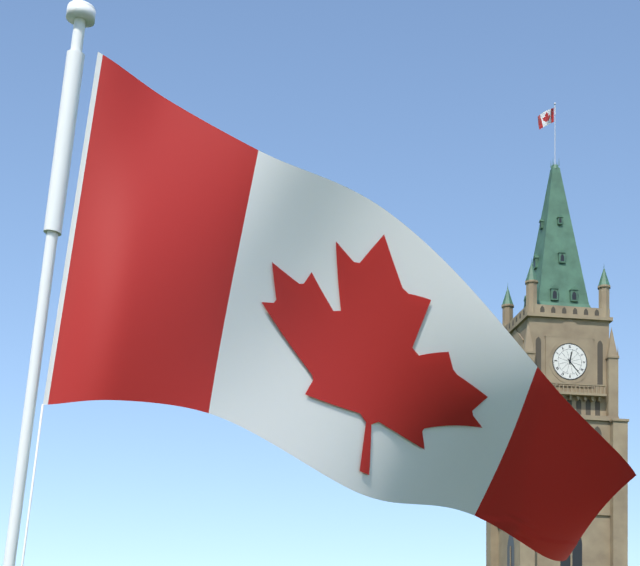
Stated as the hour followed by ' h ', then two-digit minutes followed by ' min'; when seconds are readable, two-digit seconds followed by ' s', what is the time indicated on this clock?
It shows 12 h 23 min
